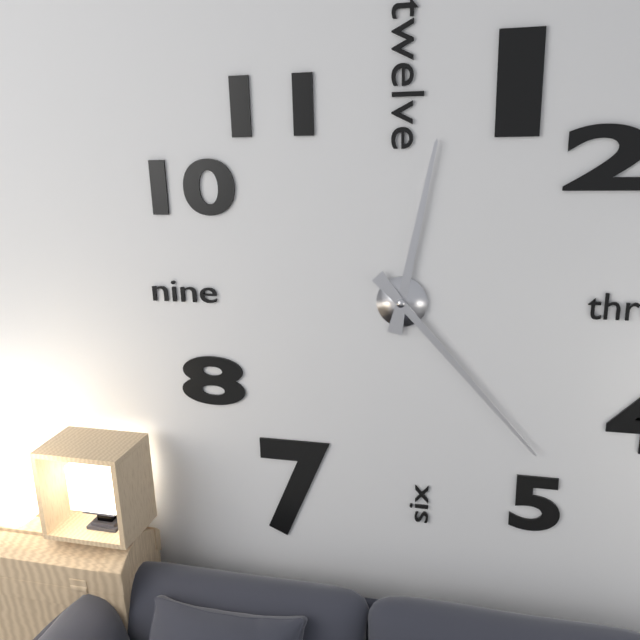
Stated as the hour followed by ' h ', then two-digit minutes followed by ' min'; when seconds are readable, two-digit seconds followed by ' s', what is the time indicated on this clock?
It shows 12 h 23 min
